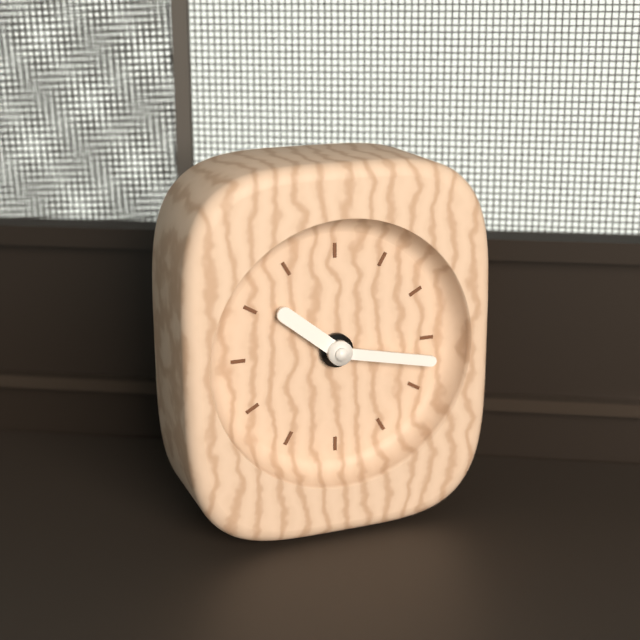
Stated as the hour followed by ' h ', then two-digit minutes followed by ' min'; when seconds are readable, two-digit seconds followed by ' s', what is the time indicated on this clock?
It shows 10 h 17 min
